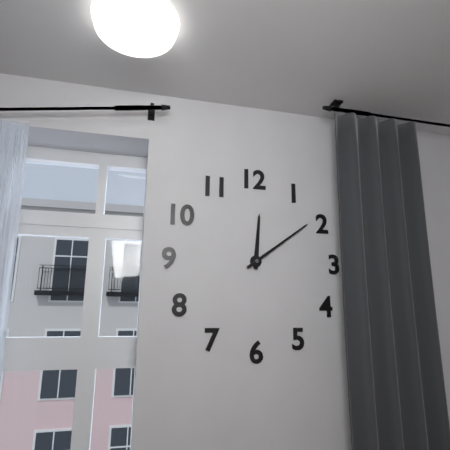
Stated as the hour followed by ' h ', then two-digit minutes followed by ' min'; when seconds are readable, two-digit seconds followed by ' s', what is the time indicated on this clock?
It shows 12 h 09 min
